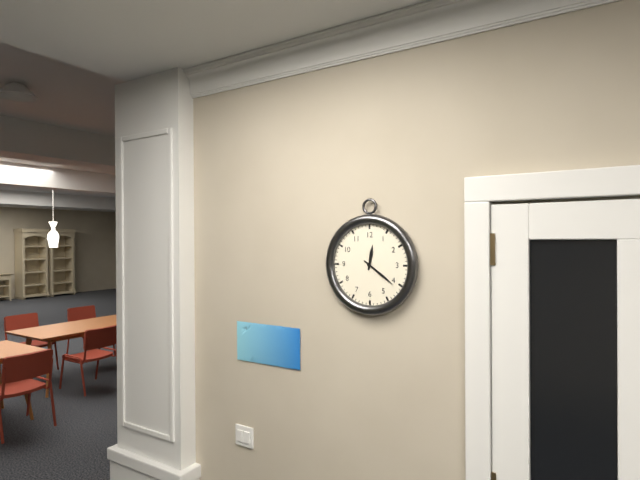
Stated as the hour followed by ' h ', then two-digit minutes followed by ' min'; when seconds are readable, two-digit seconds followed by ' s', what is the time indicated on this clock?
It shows 12 h 21 min
